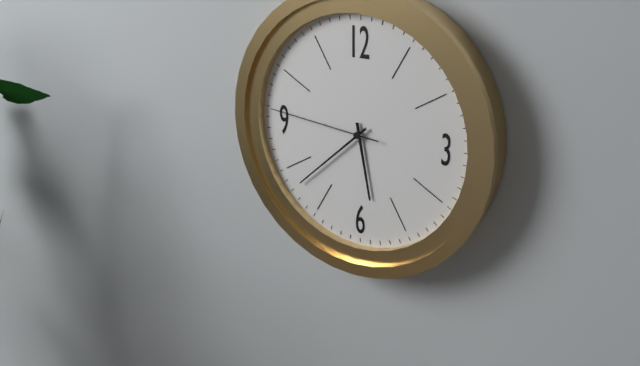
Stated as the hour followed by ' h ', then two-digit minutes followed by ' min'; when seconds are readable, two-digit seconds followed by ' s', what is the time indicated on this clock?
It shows 5 h 38 min 46 s
